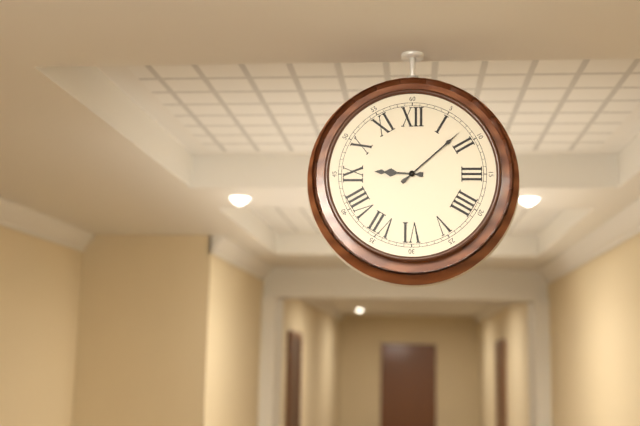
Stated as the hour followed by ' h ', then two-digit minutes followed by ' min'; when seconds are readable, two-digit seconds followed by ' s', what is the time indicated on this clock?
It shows 9 h 08 min
